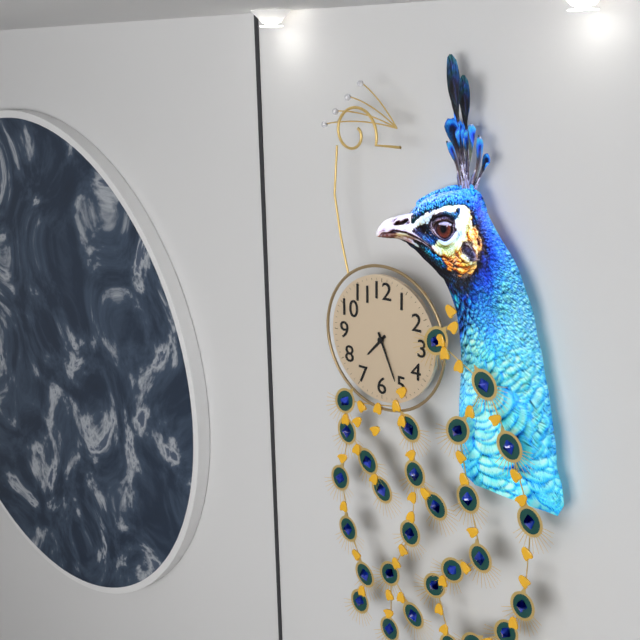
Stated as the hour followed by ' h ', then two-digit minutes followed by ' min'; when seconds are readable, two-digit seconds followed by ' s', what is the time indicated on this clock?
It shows 7 h 26 min
